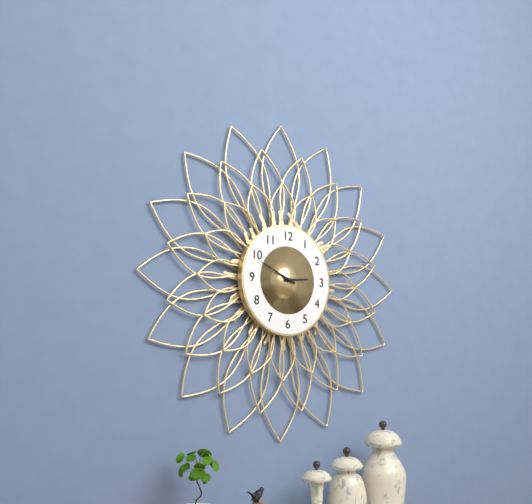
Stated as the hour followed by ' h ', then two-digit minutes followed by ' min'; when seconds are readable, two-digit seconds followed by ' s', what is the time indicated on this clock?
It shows 2 h 49 min
